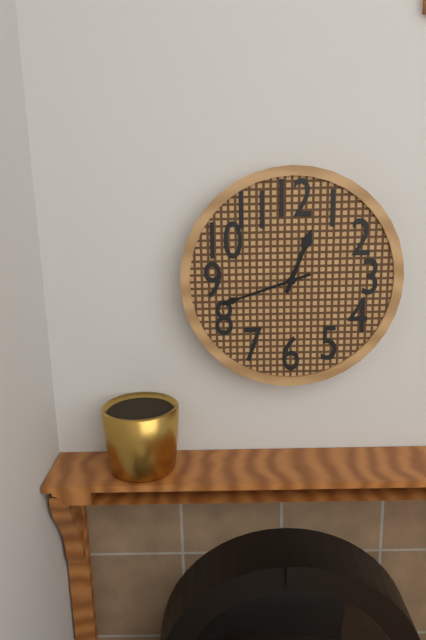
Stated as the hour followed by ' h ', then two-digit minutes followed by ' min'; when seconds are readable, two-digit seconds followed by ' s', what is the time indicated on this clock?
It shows 12 h 42 min
